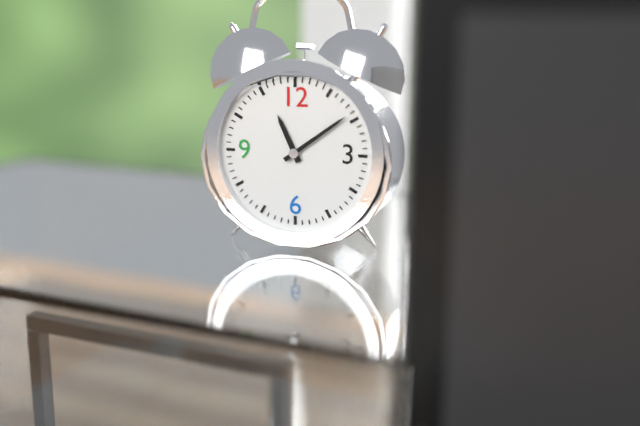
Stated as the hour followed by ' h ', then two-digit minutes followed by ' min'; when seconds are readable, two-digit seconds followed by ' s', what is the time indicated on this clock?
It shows 11 h 09 min
